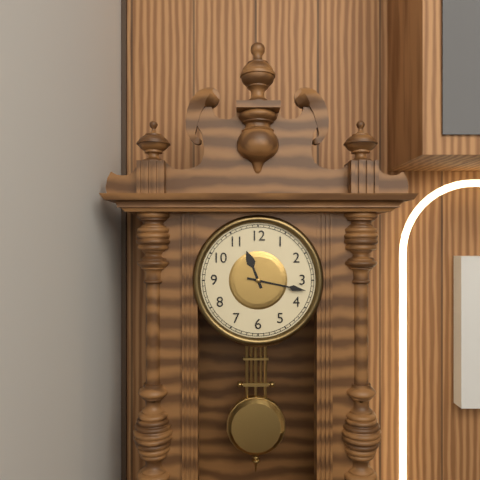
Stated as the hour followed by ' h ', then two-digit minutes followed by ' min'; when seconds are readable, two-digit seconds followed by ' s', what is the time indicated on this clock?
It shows 11 h 17 min
